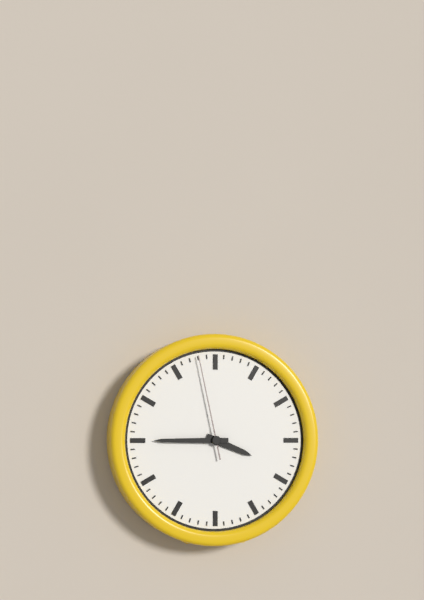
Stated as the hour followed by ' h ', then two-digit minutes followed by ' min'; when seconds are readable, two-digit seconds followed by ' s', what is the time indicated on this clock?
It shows 3 h 45 min 58 s
